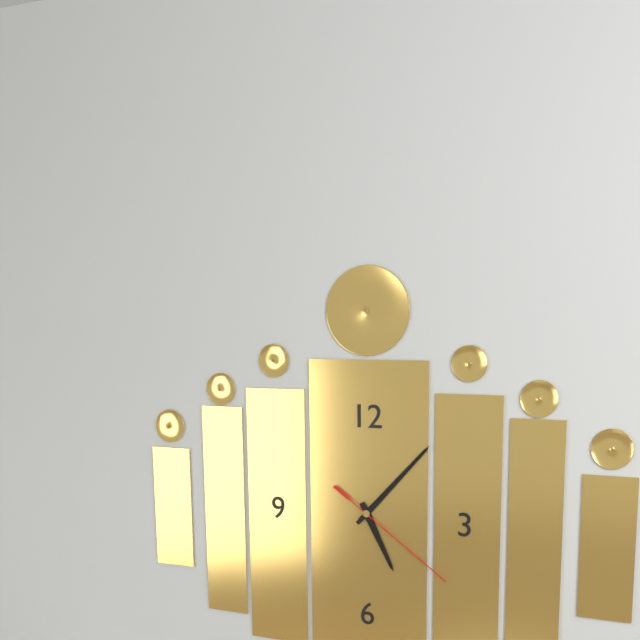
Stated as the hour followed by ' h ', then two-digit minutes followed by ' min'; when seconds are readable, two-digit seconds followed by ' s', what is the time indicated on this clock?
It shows 5 h 07 min 21 s
